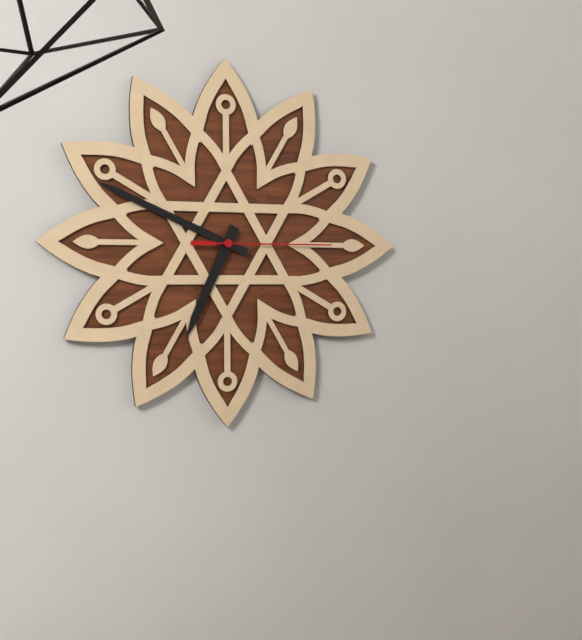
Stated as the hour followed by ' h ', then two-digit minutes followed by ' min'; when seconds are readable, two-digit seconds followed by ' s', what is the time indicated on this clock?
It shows 6 h 49 min 15 s
